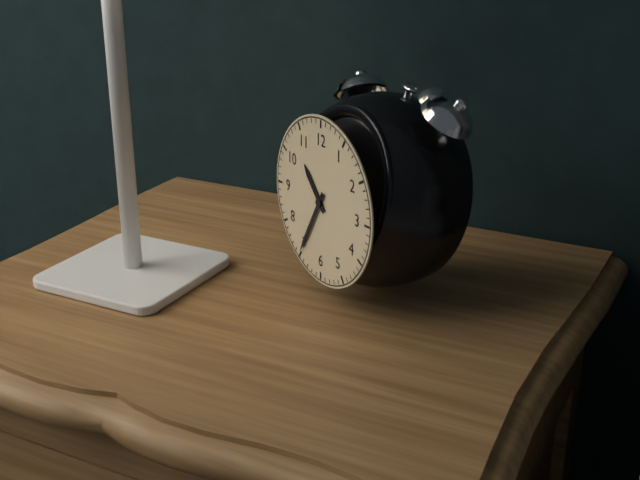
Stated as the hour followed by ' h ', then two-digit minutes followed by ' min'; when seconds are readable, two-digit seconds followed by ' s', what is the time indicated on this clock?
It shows 10 h 35 min
